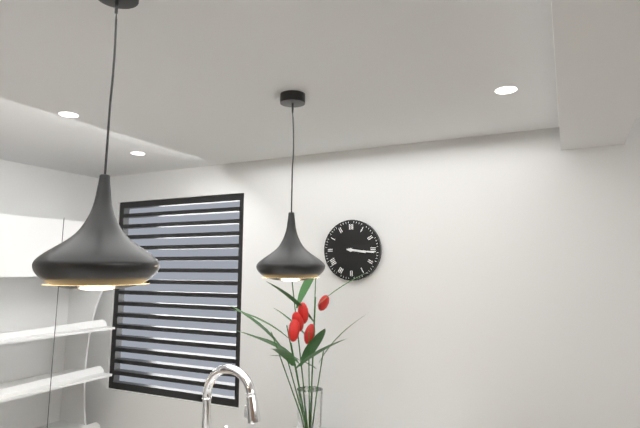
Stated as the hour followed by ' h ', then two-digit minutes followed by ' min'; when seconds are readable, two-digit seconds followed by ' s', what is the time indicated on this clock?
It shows 3 h 16 min
